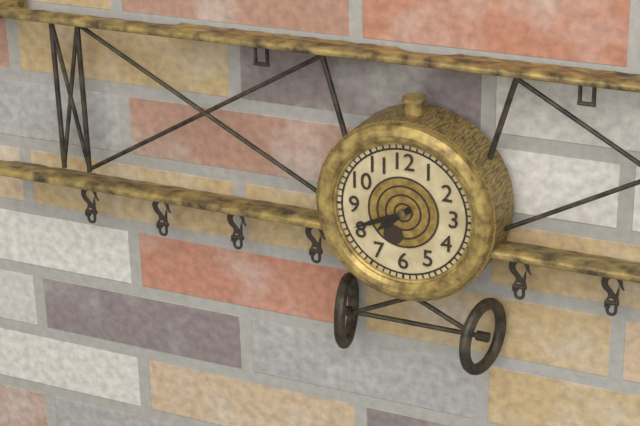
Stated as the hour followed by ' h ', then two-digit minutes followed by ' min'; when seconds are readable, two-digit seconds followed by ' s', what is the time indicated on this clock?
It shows 7 h 41 min
